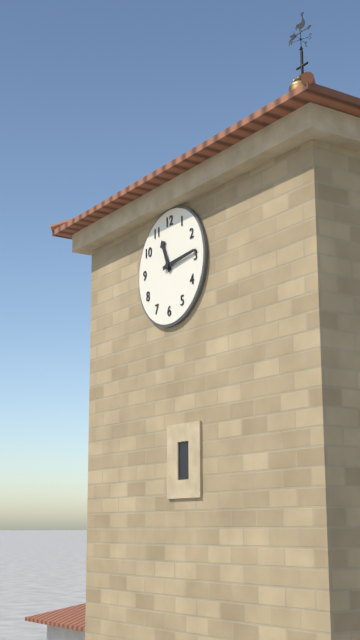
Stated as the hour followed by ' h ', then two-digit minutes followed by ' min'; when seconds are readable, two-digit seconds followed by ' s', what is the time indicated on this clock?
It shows 11 h 14 min
